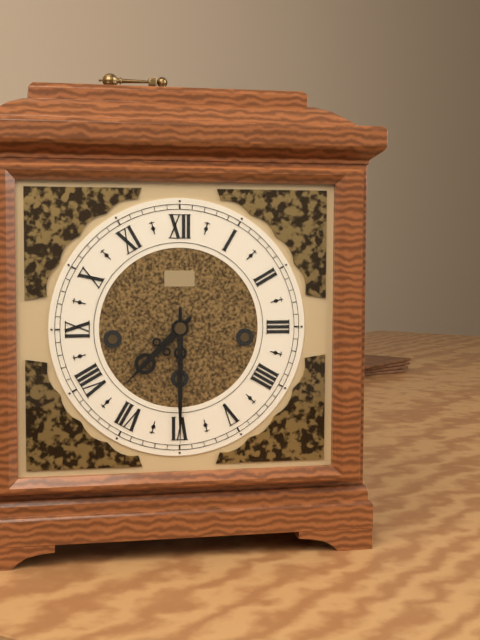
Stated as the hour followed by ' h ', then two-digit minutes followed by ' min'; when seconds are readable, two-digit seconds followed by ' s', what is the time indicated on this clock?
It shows 7 h 30 min
